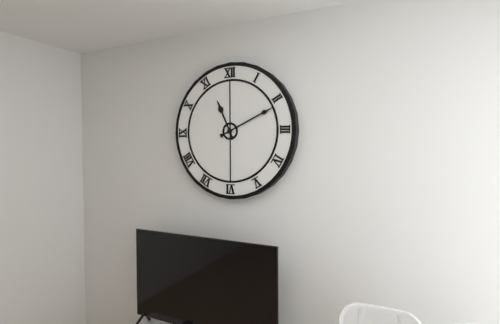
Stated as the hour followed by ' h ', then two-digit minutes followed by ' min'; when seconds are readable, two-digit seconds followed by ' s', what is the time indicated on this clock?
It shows 11 h 11 min
